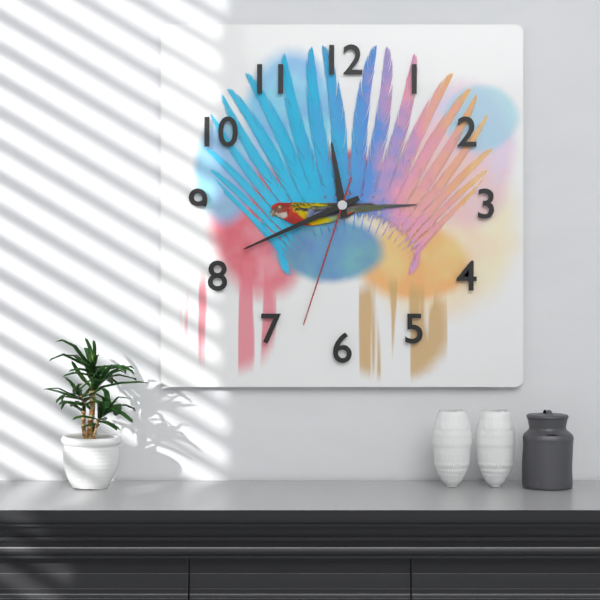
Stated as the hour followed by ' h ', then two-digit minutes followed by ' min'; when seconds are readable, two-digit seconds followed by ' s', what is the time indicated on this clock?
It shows 11 h 41 min 33 s
